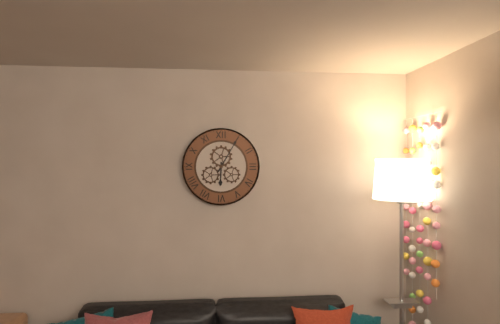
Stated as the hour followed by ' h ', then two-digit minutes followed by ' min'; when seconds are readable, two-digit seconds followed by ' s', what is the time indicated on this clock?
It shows 6 h 05 min
